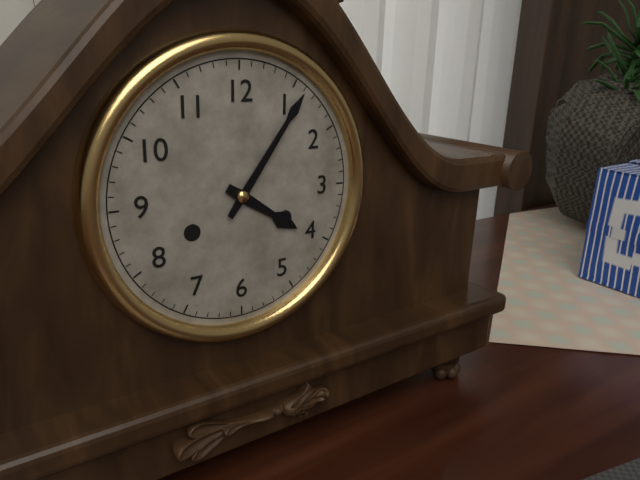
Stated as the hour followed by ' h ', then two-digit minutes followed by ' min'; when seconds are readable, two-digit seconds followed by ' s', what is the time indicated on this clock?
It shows 4 h 06 min
